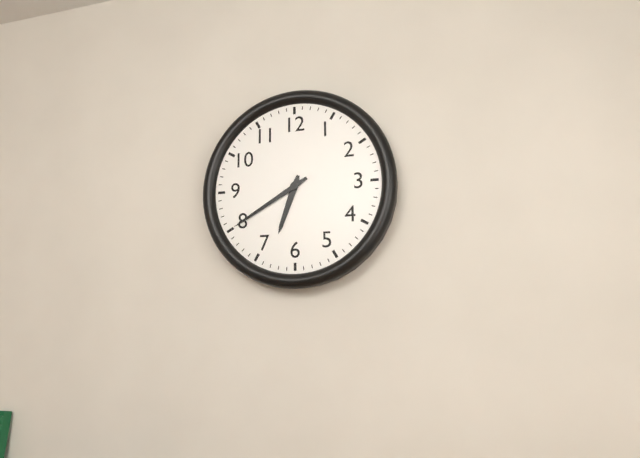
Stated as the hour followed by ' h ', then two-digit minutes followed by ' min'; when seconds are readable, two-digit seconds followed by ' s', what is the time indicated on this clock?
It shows 6 h 40 min
